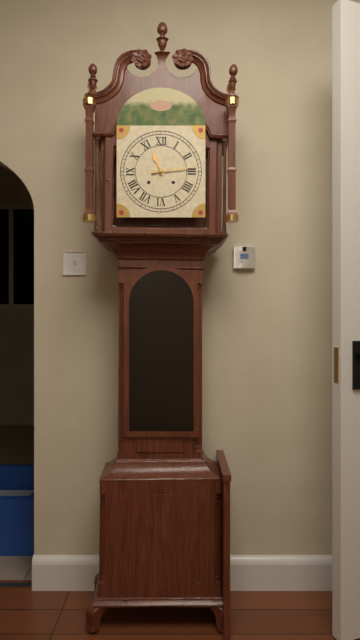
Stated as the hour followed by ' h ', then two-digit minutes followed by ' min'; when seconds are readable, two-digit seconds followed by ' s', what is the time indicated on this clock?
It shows 11 h 14 min
